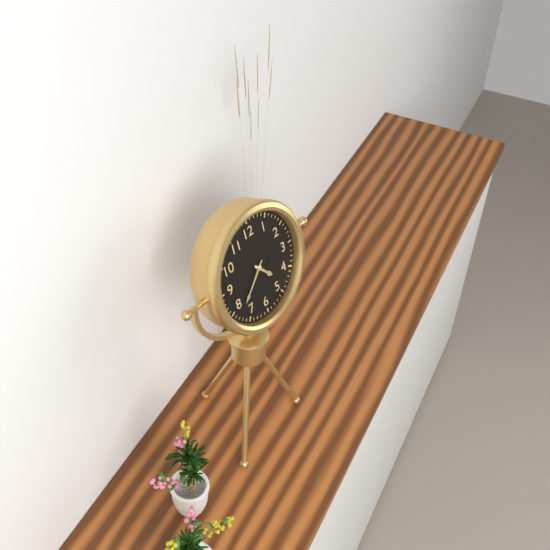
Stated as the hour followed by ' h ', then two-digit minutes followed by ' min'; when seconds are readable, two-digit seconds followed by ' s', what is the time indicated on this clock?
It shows 4 h 38 min
